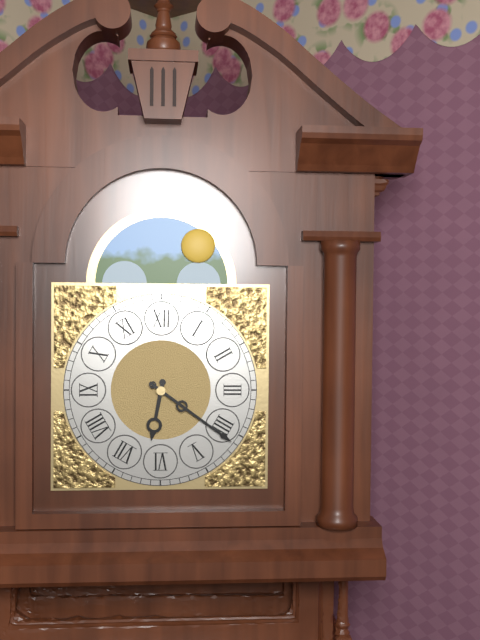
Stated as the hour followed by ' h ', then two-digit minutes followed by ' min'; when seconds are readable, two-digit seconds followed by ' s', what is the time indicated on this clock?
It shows 6 h 21 min
